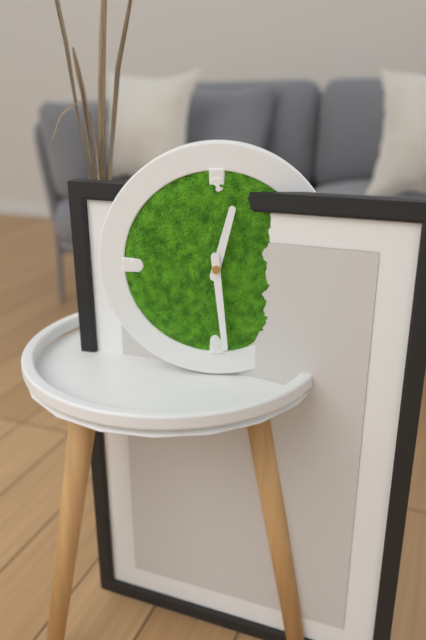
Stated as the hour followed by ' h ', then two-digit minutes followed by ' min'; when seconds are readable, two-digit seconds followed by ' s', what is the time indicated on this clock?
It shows 12 h 29 min
